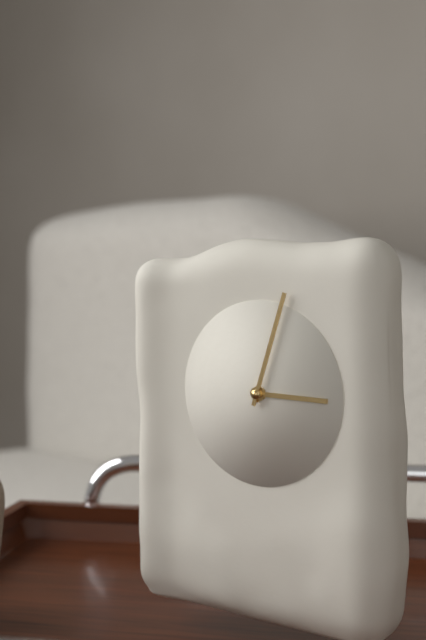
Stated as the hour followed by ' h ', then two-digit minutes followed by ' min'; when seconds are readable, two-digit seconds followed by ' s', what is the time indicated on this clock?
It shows 3 h 03 min
